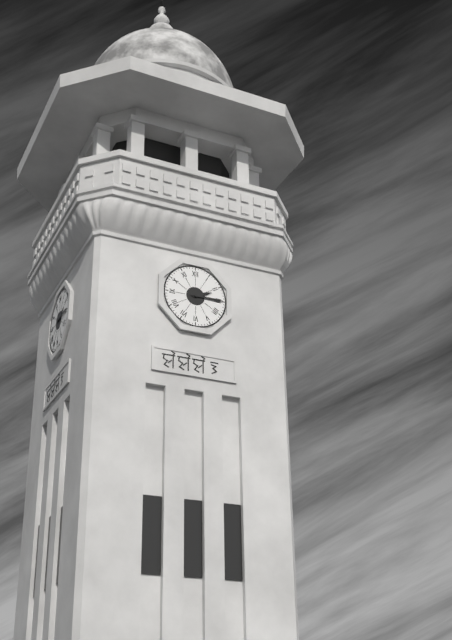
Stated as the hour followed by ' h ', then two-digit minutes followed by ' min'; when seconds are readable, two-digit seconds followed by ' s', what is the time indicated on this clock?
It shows 2 h 15 min
